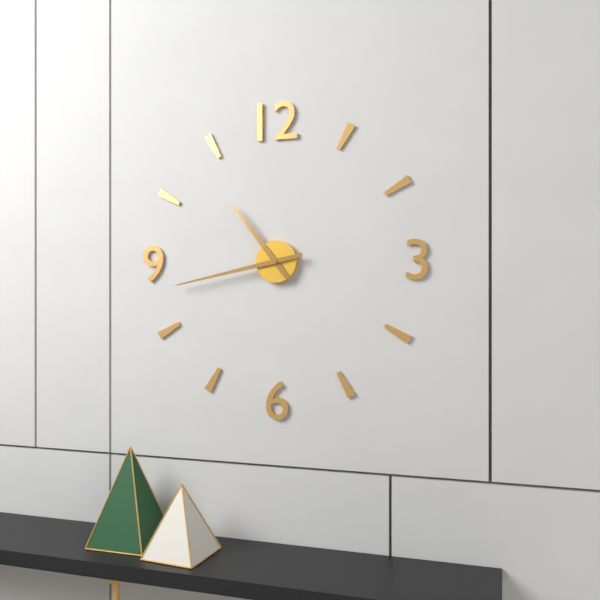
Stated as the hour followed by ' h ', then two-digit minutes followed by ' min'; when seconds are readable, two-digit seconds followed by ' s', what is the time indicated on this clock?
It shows 10 h 43 min
